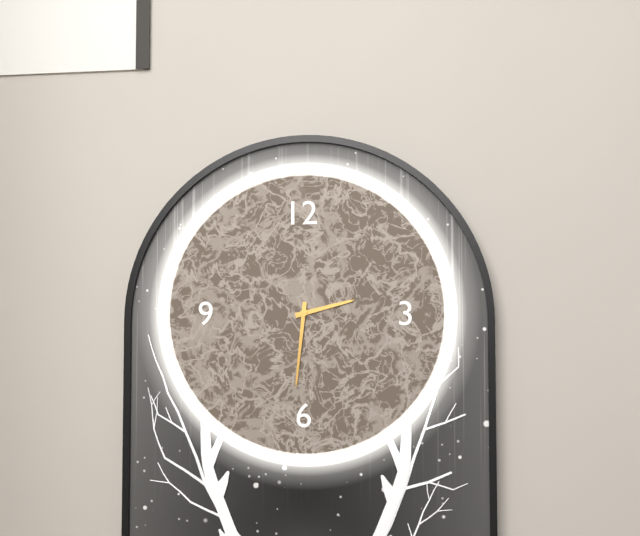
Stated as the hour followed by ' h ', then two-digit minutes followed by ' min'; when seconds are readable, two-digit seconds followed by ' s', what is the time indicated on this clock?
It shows 2 h 31 min
